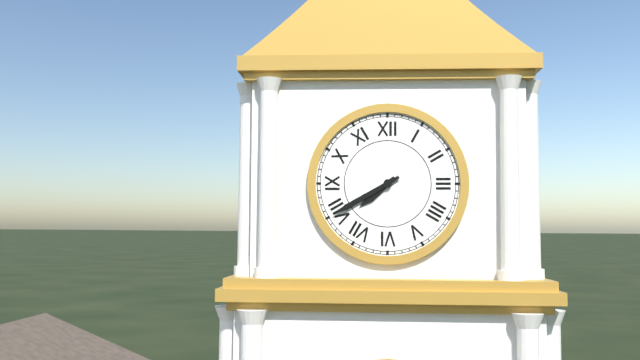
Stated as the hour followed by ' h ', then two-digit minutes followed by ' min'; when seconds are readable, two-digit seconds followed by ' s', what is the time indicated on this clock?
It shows 7 h 40 min
